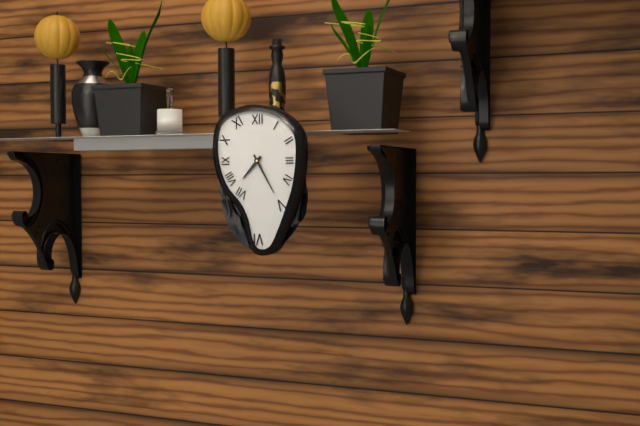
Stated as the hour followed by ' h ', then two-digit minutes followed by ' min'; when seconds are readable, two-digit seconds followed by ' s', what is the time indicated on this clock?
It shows 7 h 25 min
